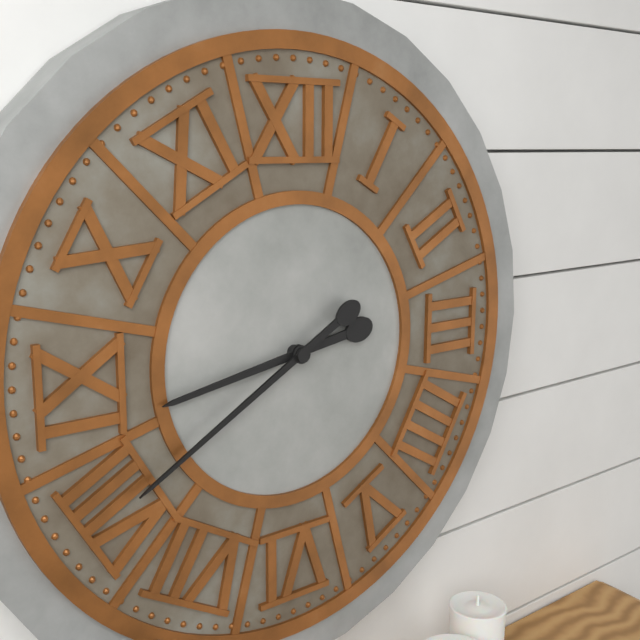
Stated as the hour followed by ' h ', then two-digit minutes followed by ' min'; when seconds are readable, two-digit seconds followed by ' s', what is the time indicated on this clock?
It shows 8 h 40 min
